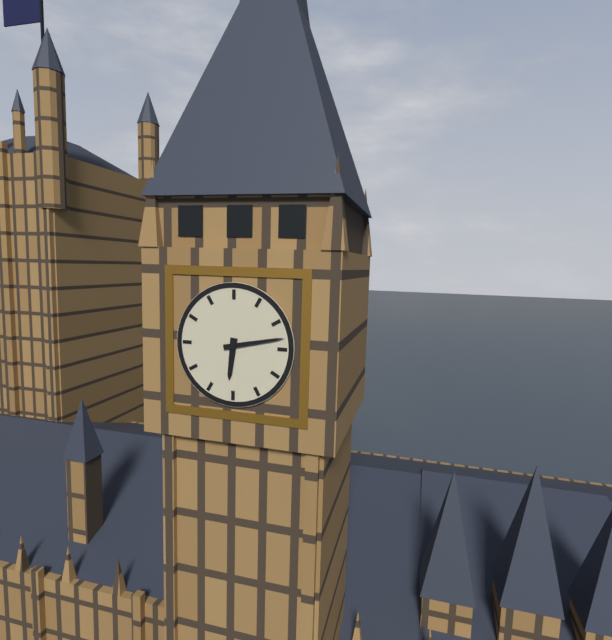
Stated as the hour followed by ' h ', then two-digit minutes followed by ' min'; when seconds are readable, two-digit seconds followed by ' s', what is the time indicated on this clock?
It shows 6 h 13 min
